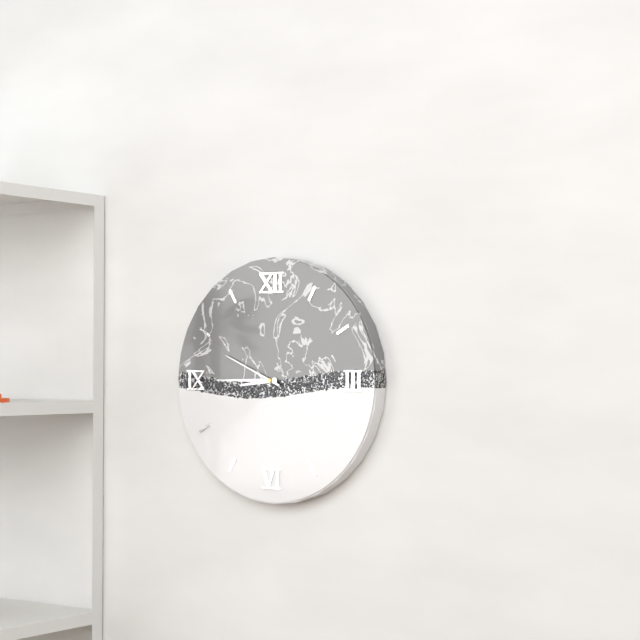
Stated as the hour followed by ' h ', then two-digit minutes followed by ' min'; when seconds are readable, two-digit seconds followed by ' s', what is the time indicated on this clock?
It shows 8 h 45 min 49 s
